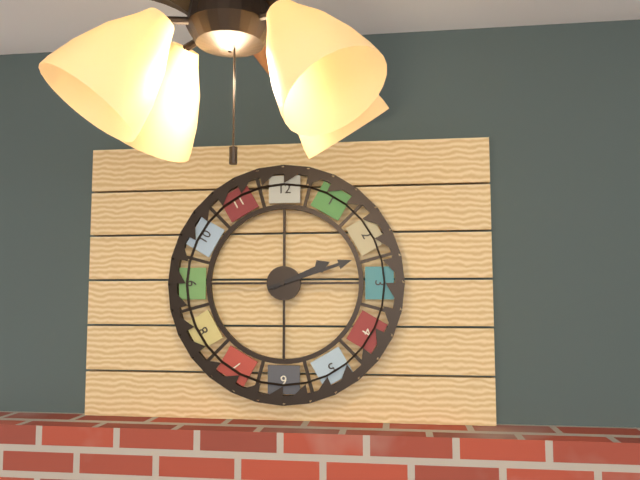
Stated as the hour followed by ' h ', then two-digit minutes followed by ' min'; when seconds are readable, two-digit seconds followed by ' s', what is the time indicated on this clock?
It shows 2 h 12 min
